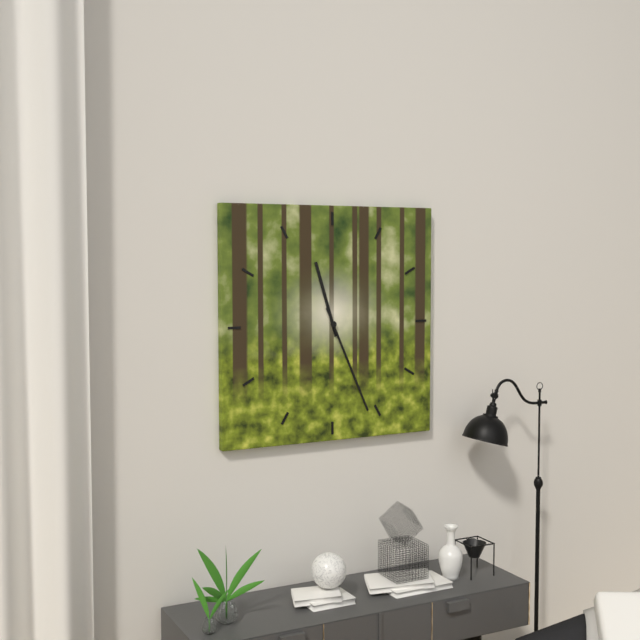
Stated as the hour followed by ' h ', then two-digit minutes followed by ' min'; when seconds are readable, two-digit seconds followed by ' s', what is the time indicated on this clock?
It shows 11 h 26 min
